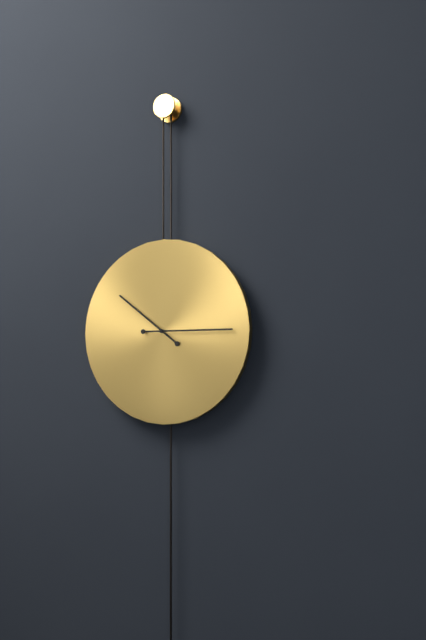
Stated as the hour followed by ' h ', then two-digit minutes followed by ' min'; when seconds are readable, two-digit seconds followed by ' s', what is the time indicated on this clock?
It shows 10 h 15 min
